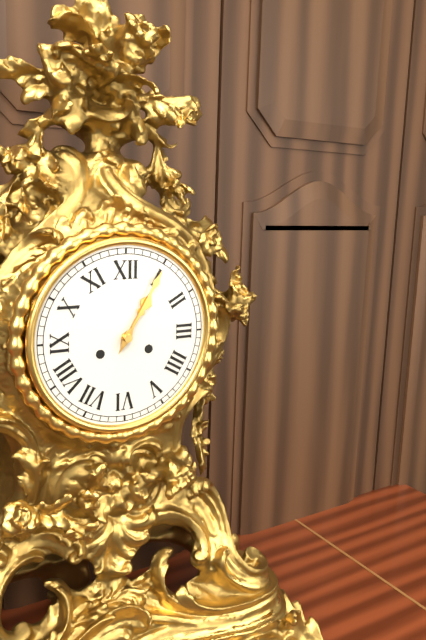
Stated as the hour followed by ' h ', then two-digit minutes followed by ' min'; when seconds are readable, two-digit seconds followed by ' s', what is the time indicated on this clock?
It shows 1 h 05 min
